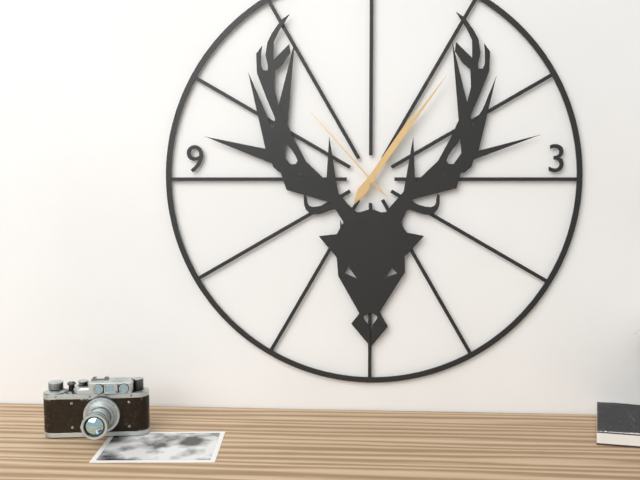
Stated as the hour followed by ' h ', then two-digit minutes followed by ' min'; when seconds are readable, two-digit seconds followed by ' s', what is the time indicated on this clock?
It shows 1 h 06 min 53 s
